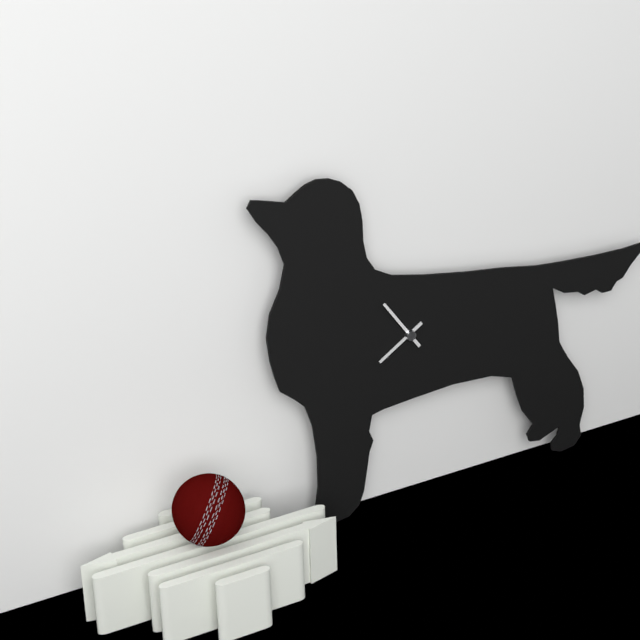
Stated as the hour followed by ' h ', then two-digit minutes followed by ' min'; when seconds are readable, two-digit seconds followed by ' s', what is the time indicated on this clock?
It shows 7 h 54 min
